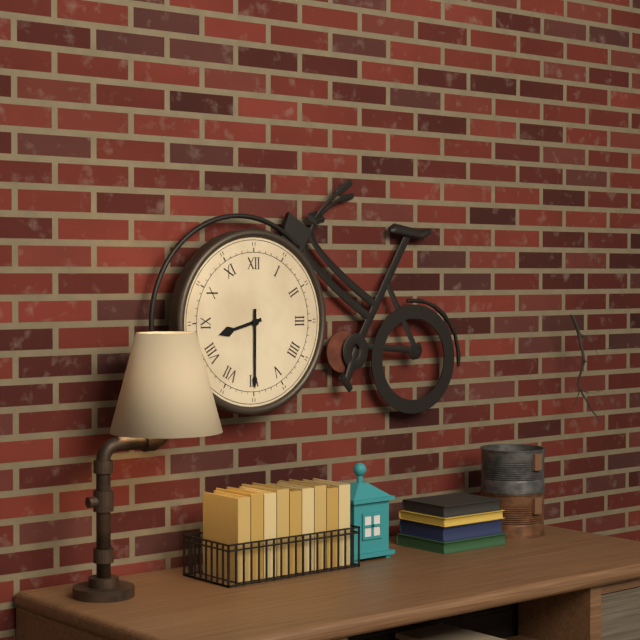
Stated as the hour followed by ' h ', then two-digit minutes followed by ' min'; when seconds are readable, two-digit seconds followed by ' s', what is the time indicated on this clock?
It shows 8 h 30 min
